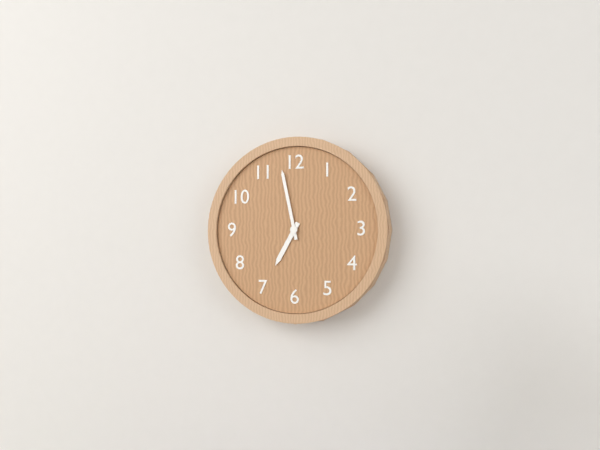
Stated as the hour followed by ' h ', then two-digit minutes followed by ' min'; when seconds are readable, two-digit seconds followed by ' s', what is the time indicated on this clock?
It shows 6 h 58 min
